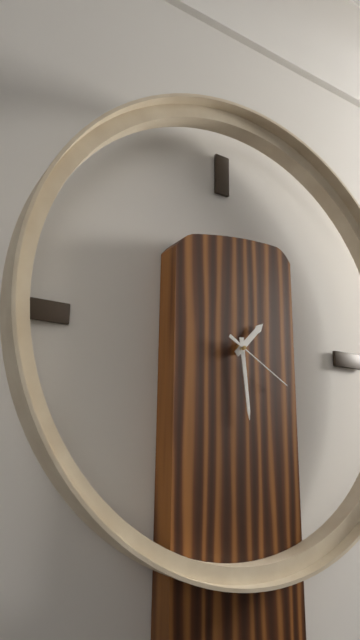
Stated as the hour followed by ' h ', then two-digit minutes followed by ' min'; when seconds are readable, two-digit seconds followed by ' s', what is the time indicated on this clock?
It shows 1 h 29 min 20 s
